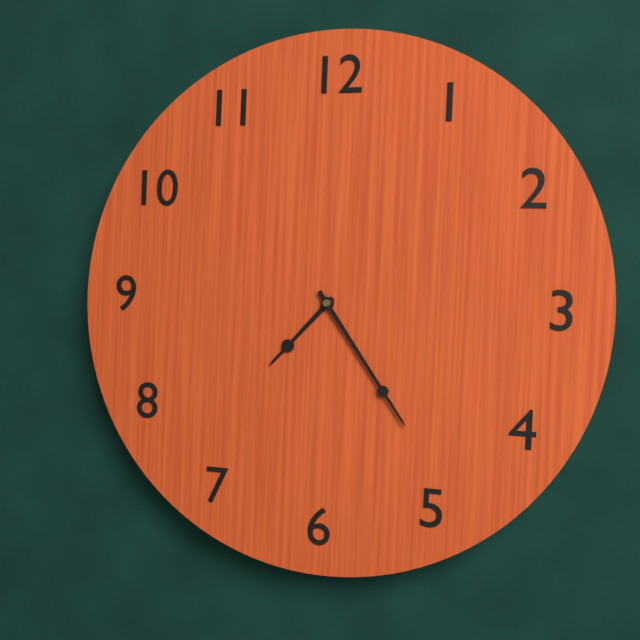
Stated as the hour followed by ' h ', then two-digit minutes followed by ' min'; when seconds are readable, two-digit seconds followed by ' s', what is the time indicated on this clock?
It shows 7 h 24 min
